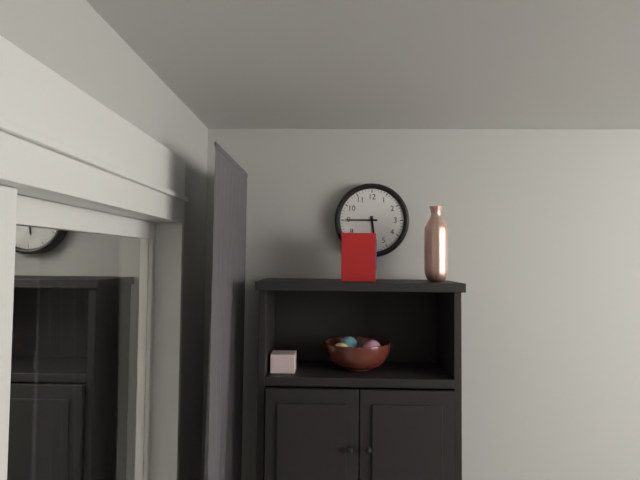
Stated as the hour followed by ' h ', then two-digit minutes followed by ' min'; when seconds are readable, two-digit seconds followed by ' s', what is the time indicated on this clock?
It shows 5 h 45 min
